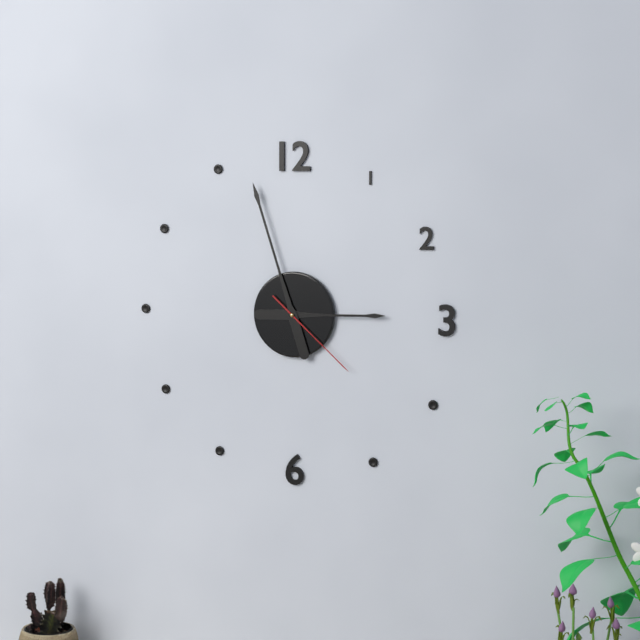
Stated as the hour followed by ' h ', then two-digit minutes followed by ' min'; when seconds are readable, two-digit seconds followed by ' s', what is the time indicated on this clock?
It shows 2 h 57 min 22 s
